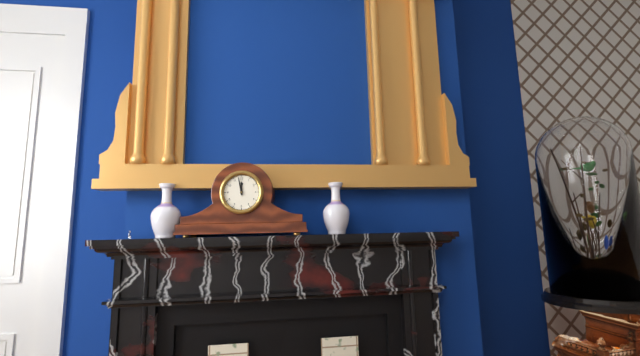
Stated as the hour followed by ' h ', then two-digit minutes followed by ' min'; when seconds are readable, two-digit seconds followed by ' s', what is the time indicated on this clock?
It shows 11 h 58 min
